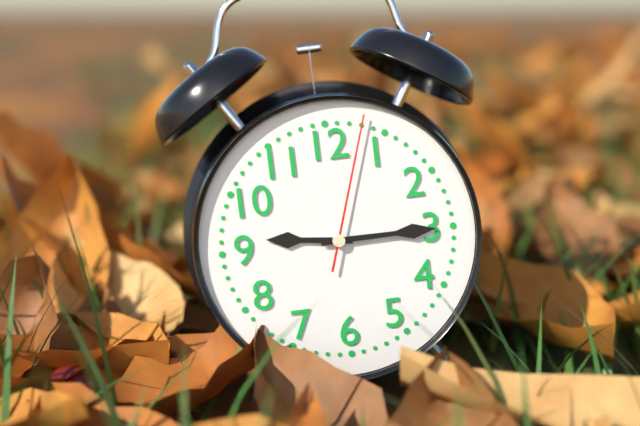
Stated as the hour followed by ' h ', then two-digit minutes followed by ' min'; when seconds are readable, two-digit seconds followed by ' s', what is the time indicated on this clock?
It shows 9 h 15 min 03 s
